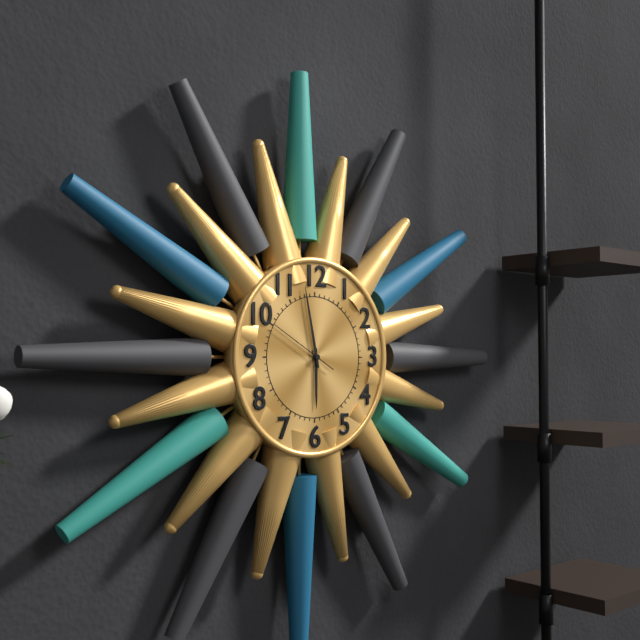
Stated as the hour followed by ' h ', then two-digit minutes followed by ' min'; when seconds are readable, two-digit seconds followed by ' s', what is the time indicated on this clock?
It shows 5 h 58 min 50 s
